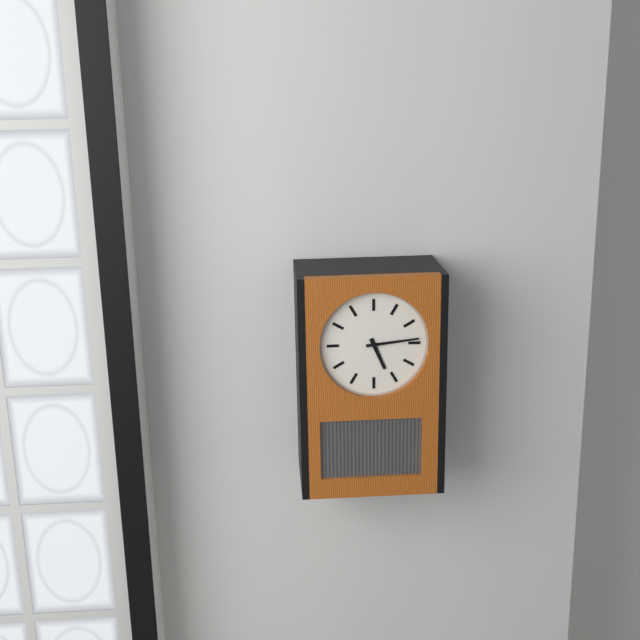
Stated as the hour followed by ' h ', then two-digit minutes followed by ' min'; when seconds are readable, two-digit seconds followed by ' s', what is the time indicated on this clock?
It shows 5 h 14 min
